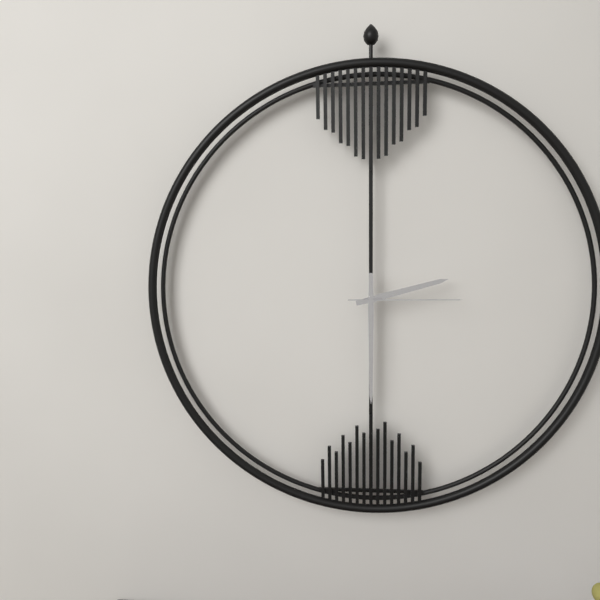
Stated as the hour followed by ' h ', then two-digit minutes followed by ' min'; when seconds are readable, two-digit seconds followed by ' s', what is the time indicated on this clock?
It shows 2 h 30 min 15 s
